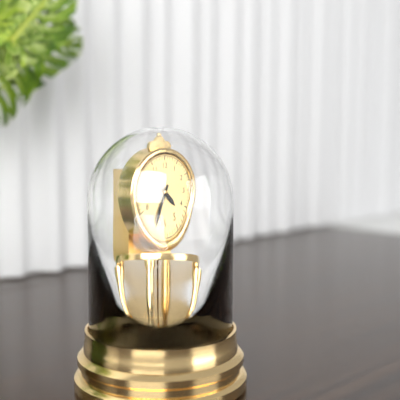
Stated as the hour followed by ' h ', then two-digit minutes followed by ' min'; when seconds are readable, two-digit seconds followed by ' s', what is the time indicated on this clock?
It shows 4 h 34 min
